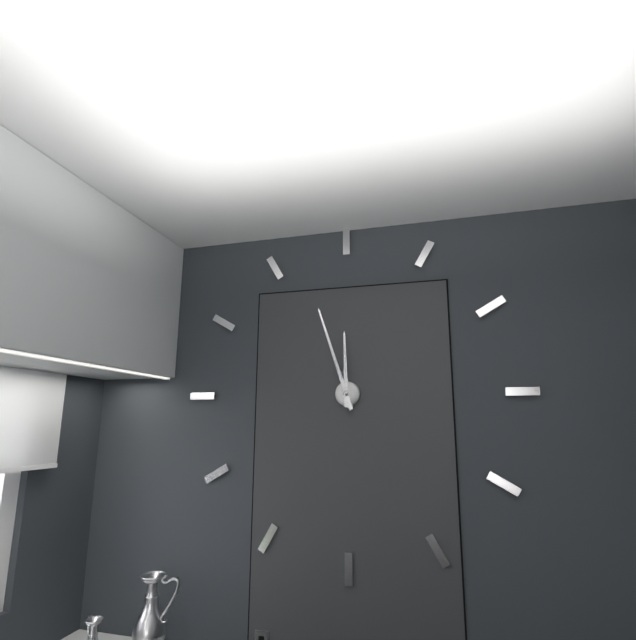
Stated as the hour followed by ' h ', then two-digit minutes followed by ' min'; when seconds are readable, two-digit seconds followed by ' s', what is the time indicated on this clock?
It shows 11 h 57 min
